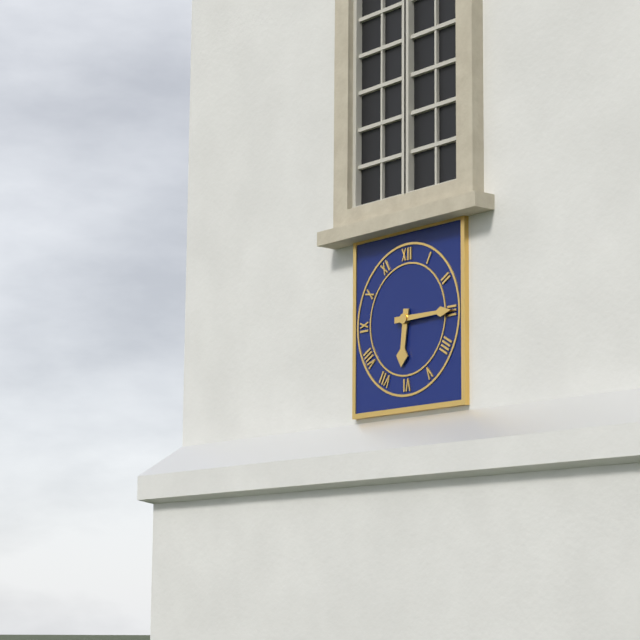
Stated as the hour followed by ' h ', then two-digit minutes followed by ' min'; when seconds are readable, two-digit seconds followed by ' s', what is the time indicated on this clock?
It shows 6 h 15 min
